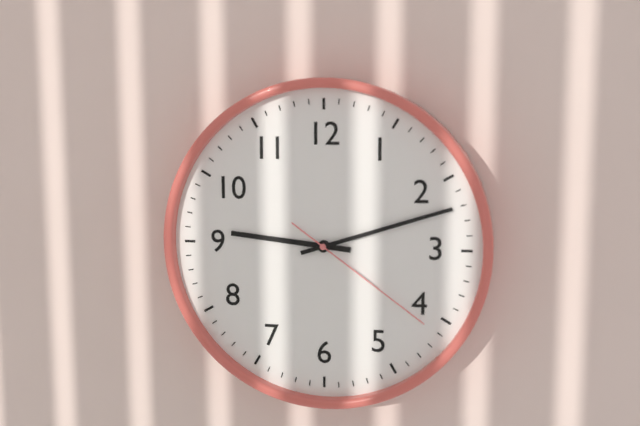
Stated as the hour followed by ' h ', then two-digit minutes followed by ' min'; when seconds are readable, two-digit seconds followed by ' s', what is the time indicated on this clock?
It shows 9 h 12 min 21 s
